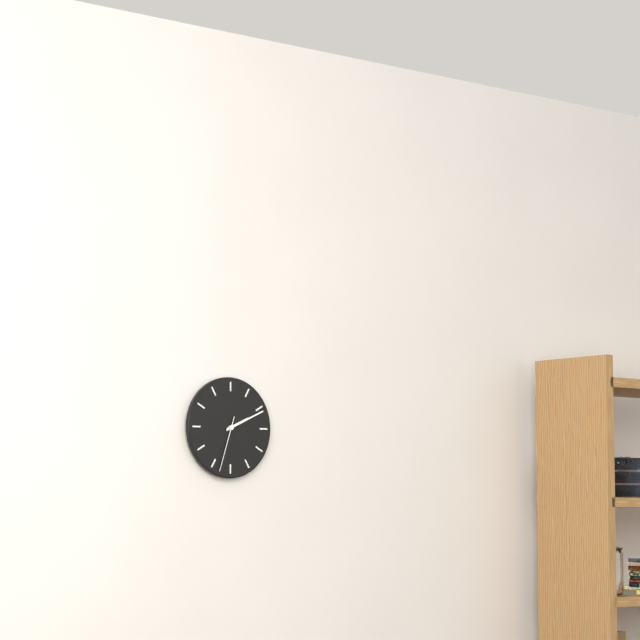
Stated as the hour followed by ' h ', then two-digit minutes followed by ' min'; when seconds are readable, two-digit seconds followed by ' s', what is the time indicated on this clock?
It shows 2 h 11 min 33 s
